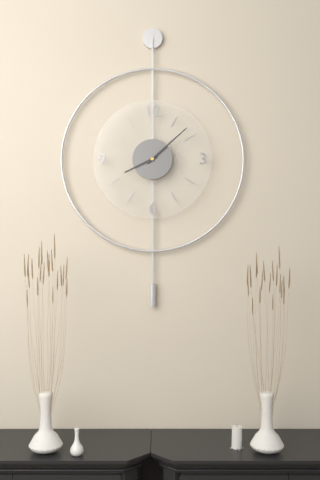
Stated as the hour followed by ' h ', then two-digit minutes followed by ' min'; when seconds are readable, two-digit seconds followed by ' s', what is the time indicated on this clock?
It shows 8 h 08 min
